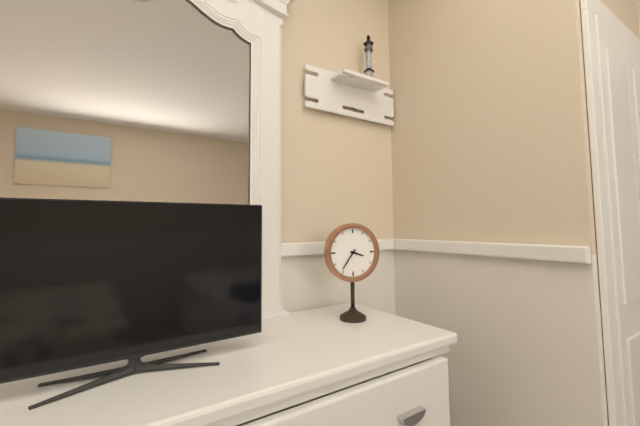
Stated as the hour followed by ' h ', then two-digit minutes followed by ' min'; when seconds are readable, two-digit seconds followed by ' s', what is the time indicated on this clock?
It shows 3 h 36 min
